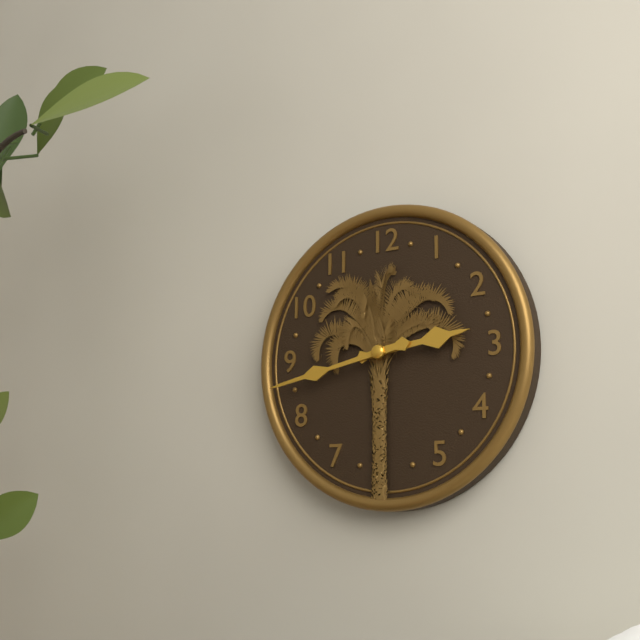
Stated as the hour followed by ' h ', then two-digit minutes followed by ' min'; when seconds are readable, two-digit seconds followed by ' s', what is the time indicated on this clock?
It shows 2 h 43 min
